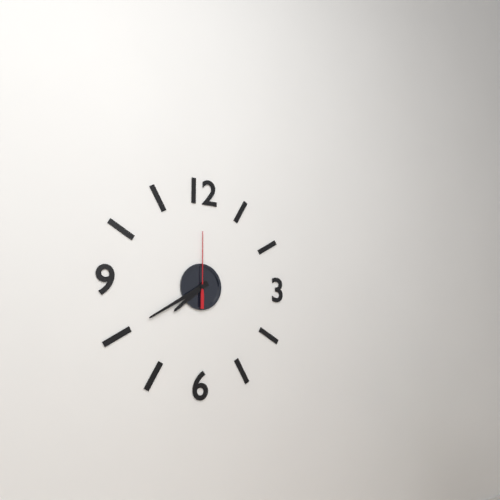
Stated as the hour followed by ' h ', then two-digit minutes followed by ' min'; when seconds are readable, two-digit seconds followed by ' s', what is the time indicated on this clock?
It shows 7 h 40 min 00 s
